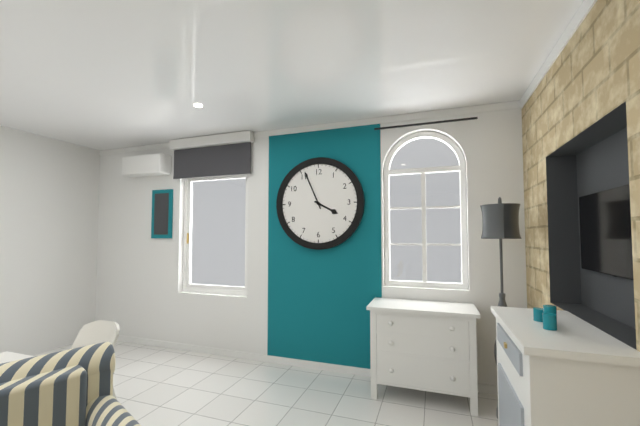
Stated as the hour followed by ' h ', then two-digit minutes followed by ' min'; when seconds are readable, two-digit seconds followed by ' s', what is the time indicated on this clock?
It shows 3 h 56 min
